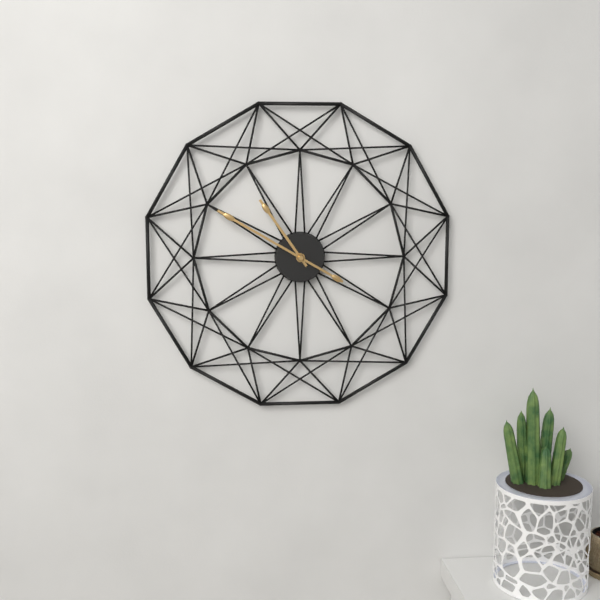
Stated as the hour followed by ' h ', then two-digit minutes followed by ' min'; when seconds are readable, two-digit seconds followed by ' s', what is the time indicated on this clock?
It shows 10 h 50 min
